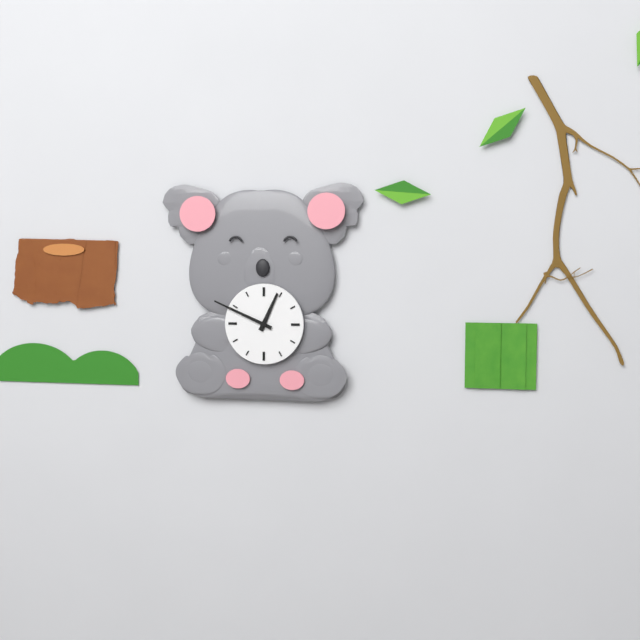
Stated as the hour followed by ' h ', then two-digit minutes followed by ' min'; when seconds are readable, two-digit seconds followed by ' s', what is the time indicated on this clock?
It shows 12 h 49 min
